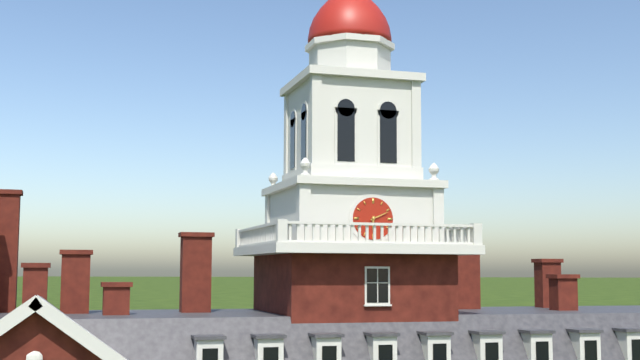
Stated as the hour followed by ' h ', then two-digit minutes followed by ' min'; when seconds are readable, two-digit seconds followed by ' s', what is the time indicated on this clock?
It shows 6 h 11 min
